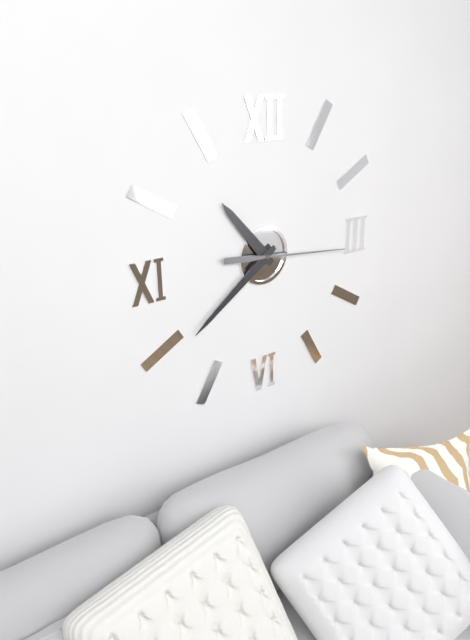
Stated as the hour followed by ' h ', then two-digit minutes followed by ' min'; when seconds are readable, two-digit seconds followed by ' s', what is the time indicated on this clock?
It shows 10 h 39 min 16 s
